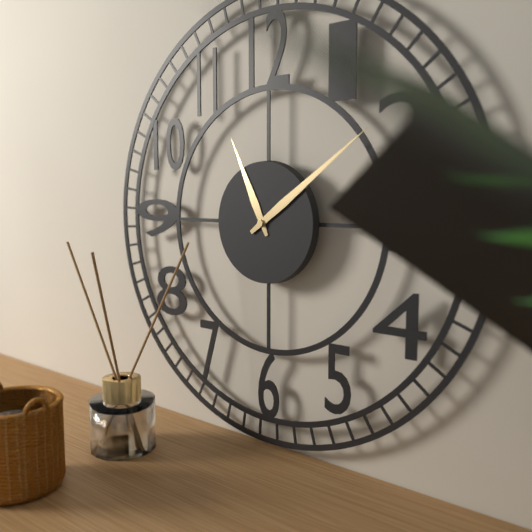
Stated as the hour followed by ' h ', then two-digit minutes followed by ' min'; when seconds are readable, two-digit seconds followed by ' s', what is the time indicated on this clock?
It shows 11 h 09 min
